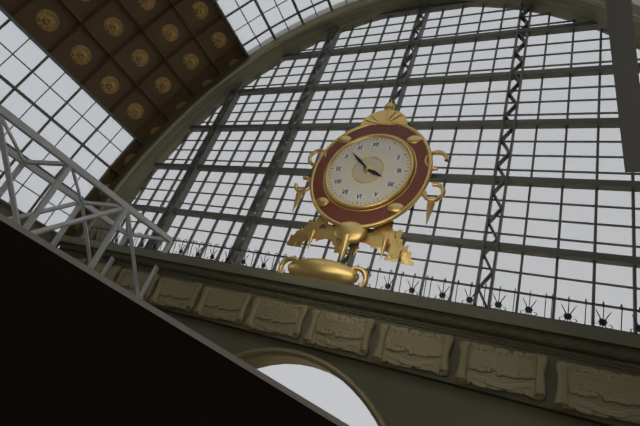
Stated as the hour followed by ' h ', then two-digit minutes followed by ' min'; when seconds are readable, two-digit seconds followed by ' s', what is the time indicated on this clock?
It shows 3 h 52 min
